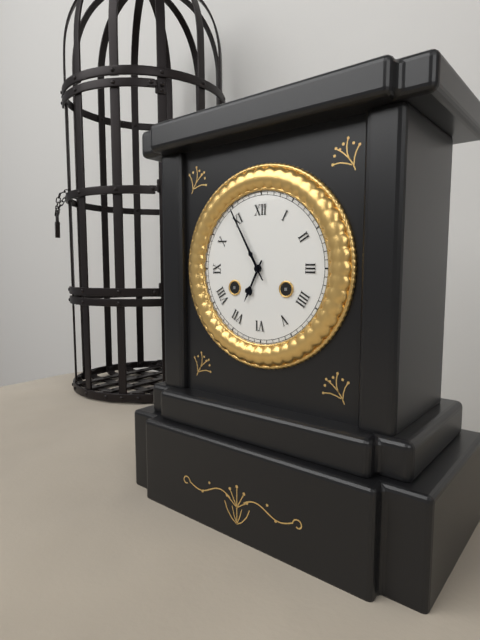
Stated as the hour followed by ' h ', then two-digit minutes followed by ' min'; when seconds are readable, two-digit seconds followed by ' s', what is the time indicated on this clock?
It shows 6 h 55 min
